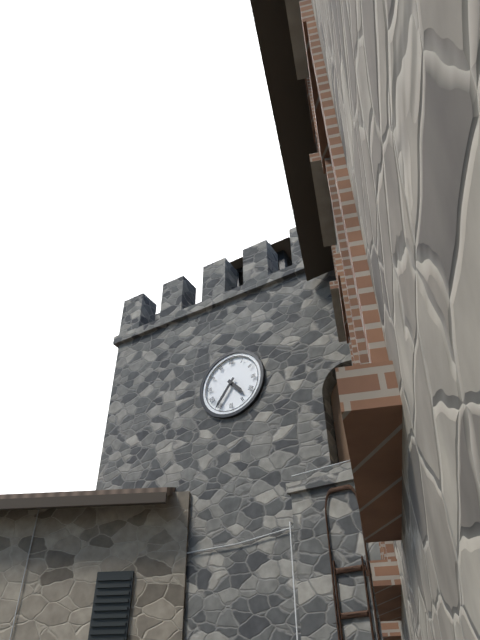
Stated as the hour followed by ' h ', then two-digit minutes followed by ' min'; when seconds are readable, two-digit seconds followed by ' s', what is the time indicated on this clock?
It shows 4 h 36 min
